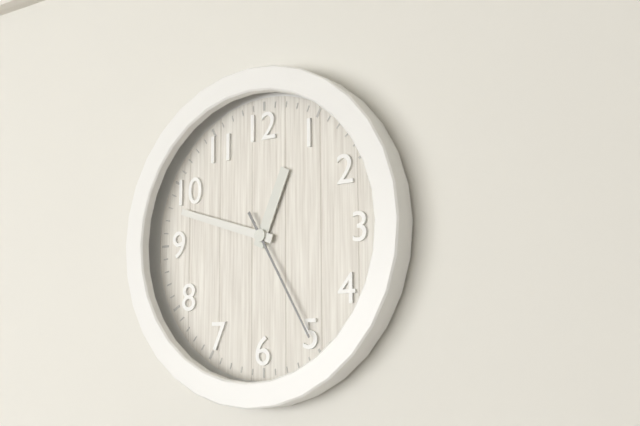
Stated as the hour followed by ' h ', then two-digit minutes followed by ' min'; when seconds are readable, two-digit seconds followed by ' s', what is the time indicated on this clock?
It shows 12 h 48 min 25 s
